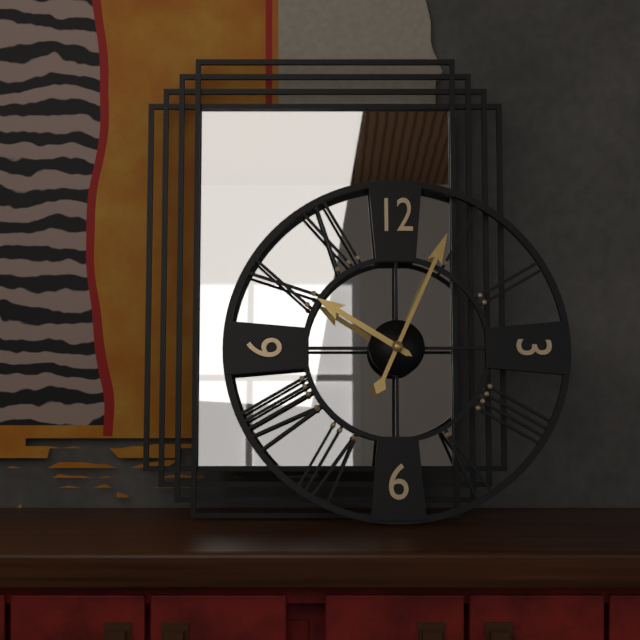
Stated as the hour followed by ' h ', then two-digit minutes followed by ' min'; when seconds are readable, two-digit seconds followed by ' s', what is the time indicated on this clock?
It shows 10 h 04 min
